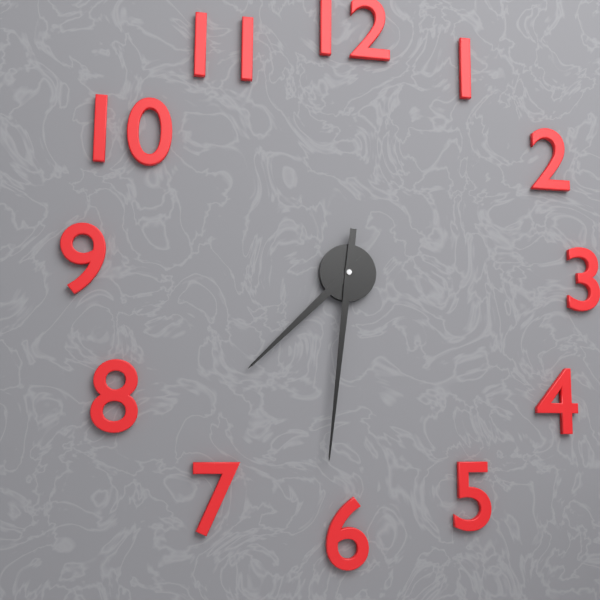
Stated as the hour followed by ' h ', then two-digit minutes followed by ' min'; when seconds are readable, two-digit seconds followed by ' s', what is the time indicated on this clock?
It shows 7 h 31 min
